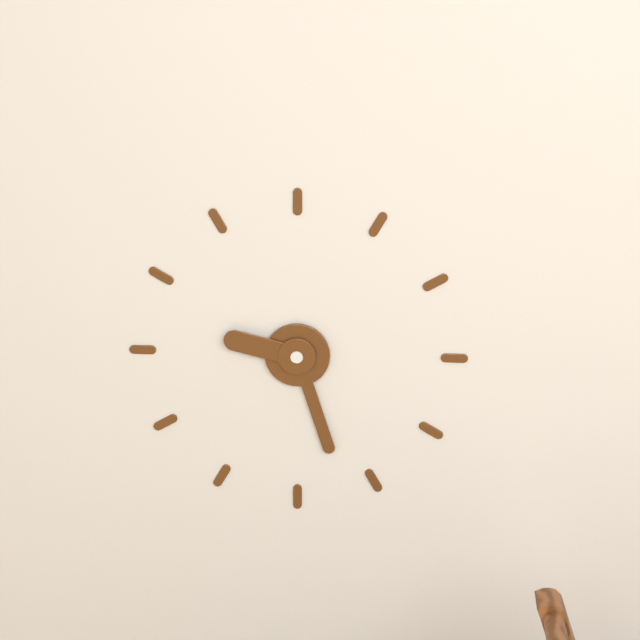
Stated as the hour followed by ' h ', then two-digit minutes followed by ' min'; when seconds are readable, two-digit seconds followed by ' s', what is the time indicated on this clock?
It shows 9 h 27 min
